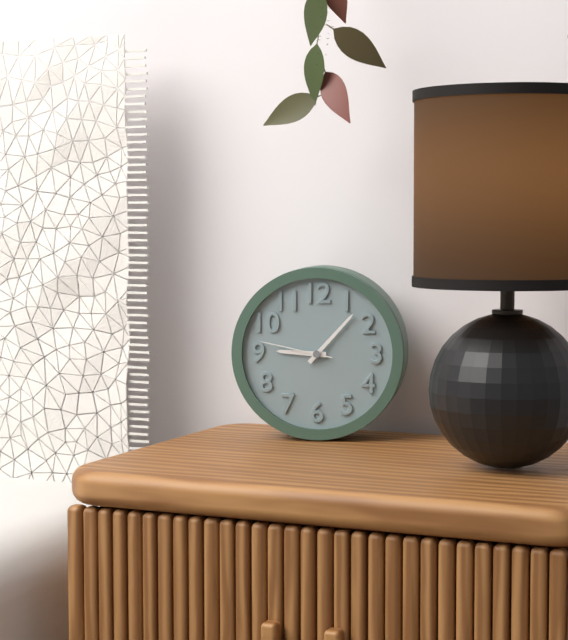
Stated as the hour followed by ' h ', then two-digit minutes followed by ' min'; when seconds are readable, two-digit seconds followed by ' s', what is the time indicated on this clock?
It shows 9 h 07 min 47 s
